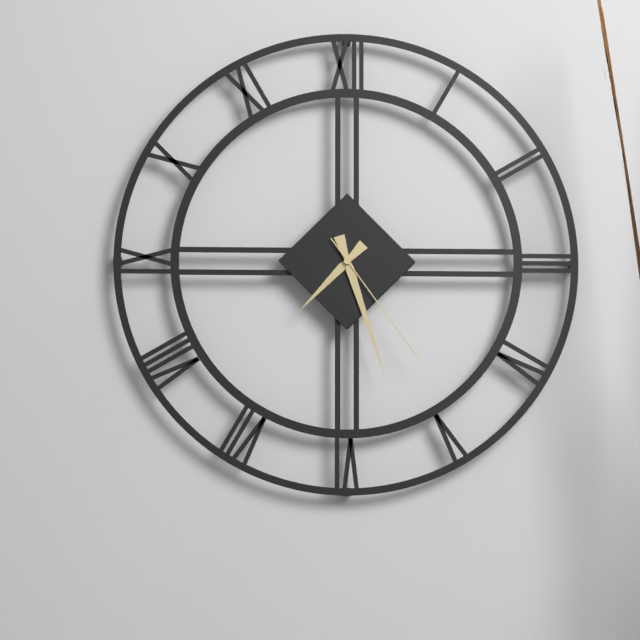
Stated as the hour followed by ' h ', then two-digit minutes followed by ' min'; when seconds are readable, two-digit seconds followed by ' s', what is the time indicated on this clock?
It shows 7 h 27 min 24 s
